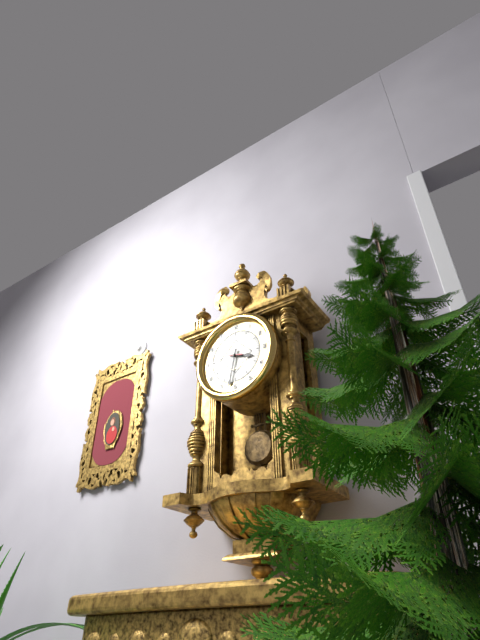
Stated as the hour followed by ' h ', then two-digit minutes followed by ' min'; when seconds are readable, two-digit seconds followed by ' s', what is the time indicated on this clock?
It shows 3 h 32 min
